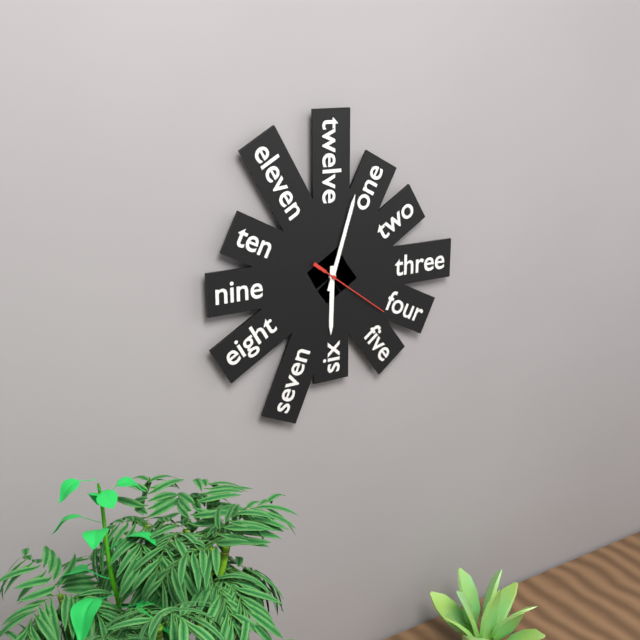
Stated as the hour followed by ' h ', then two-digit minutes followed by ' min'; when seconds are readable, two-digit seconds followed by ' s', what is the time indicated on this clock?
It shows 6 h 03 min 21 s
